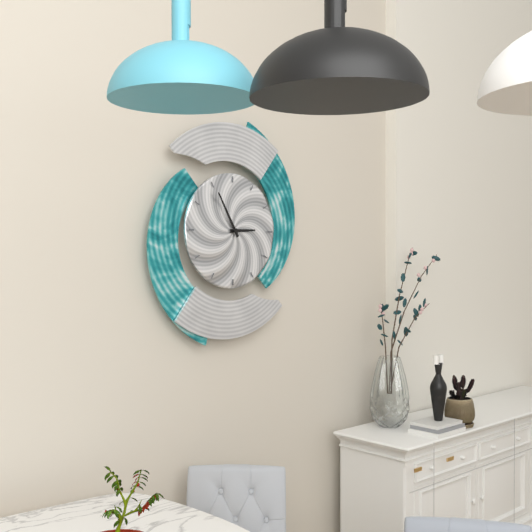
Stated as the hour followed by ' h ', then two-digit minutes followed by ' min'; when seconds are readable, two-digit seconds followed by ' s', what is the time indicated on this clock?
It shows 2 h 55 min
